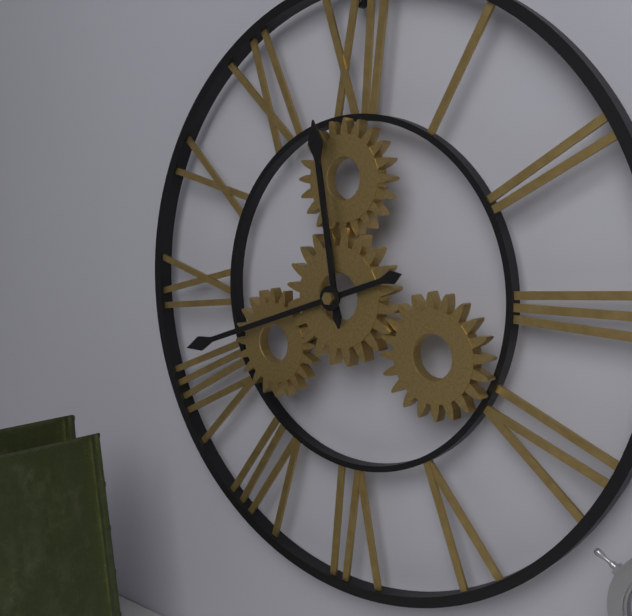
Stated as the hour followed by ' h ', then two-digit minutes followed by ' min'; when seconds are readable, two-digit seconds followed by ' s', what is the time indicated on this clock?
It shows 11 h 42 min
